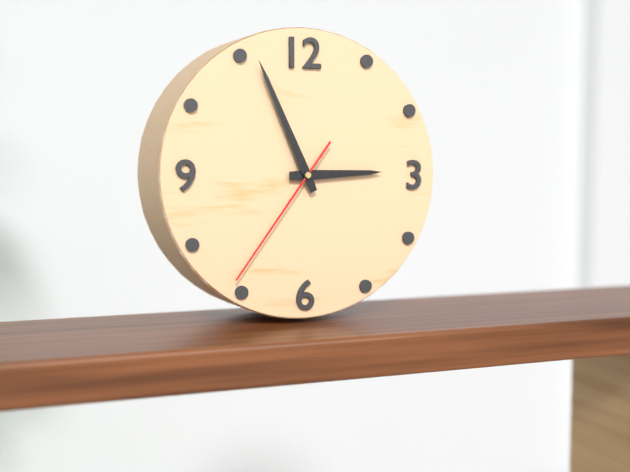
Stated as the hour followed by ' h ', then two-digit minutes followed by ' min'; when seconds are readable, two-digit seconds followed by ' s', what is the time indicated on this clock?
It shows 2 h 56 min 36 s
